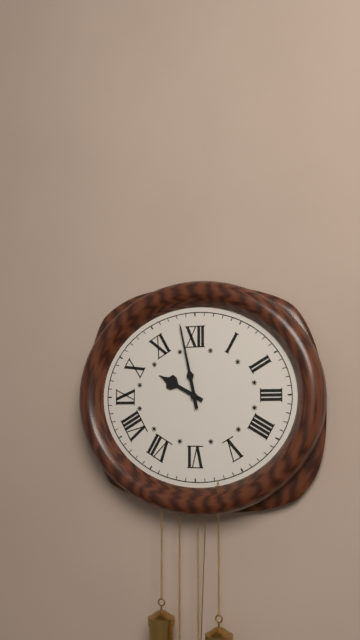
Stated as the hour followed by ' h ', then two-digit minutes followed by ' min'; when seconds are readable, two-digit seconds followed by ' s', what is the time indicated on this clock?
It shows 9 h 58 min
